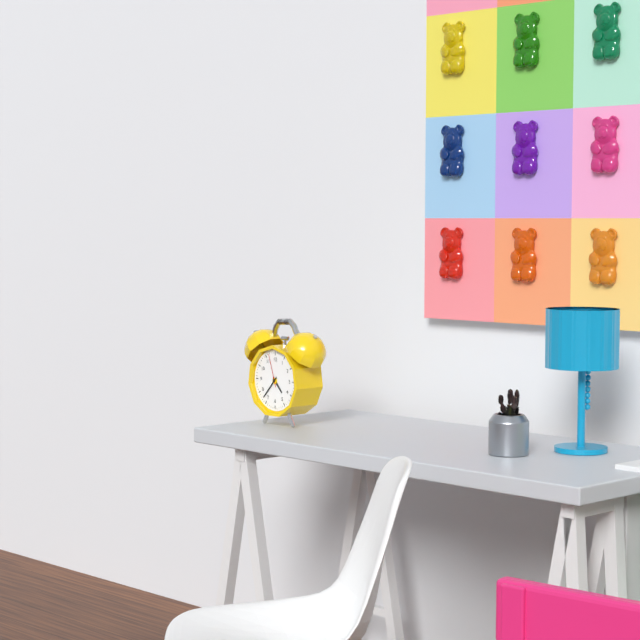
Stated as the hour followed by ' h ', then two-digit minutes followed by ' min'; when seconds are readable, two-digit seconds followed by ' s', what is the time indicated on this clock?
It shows 4 h 37 min
